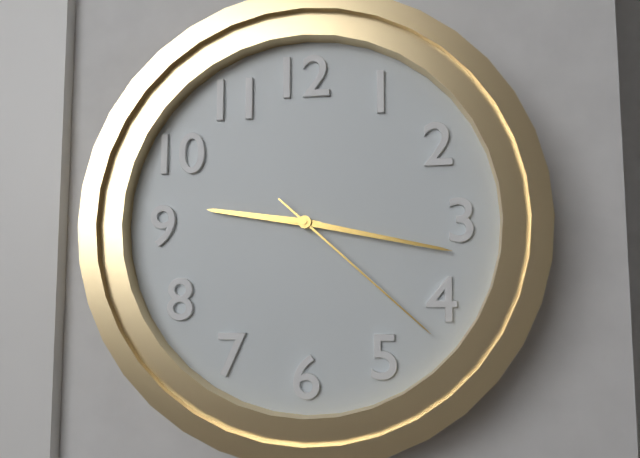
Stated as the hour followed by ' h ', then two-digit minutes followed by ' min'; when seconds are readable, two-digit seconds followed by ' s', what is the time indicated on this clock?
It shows 9 h 17 min 22 s
